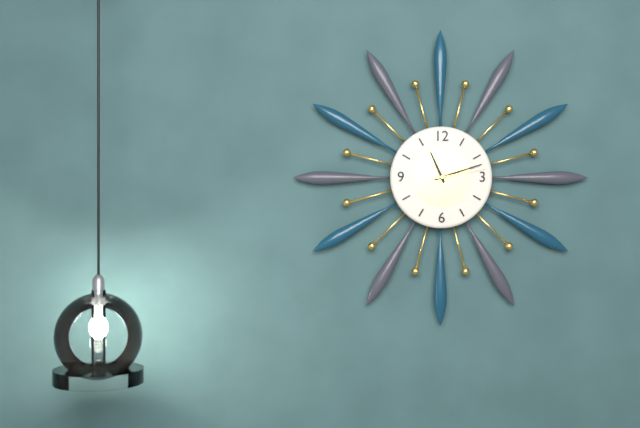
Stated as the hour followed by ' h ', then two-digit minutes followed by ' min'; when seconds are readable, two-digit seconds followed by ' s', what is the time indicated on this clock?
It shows 11 h 12 min 13 s
